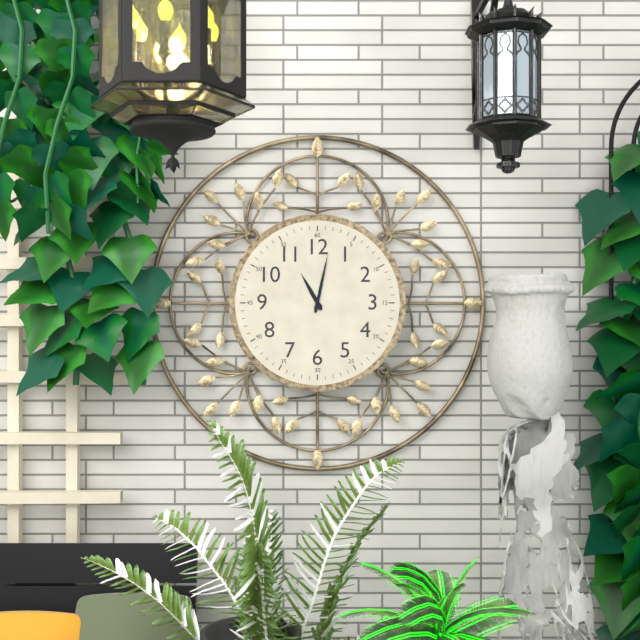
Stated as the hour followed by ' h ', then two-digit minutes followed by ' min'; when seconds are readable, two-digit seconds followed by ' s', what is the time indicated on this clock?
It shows 11 h 02 min
